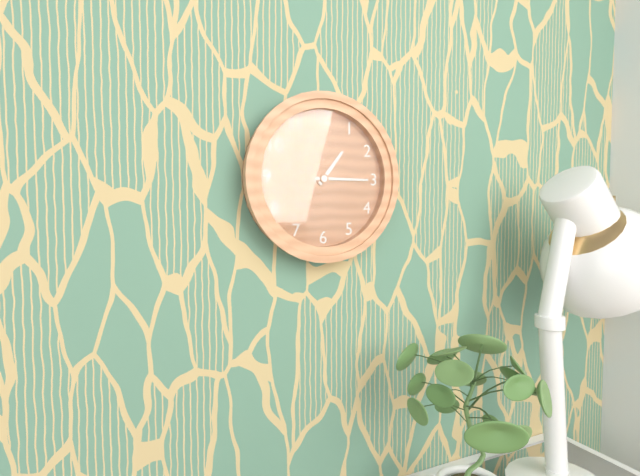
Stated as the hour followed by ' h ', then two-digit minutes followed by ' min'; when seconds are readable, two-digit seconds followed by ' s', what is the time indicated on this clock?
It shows 1 h 15 min
